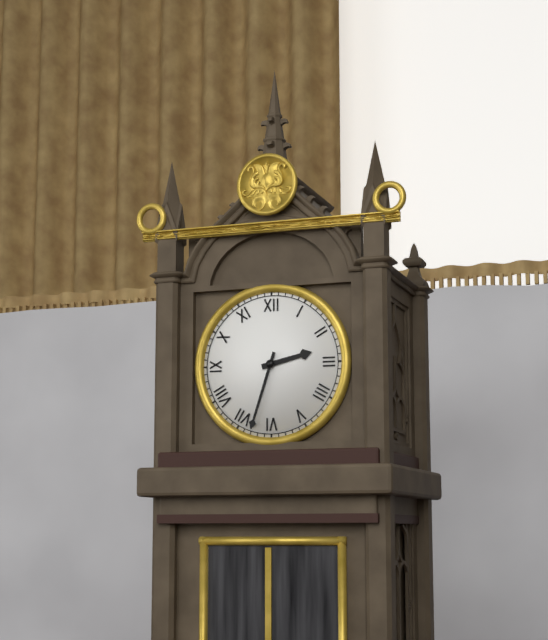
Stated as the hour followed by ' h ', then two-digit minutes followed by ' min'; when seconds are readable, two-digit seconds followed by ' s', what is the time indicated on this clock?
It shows 2 h 33 min
